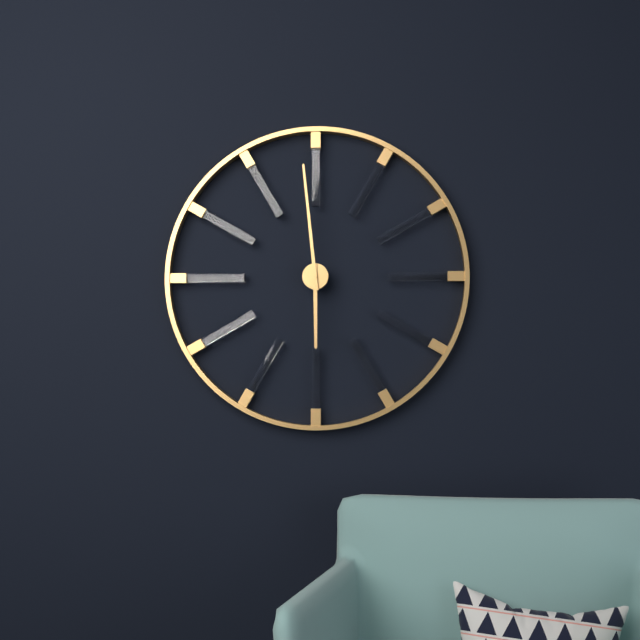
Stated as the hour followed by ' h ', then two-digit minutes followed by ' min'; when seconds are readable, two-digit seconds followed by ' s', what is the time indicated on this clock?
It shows 5 h 59 min
